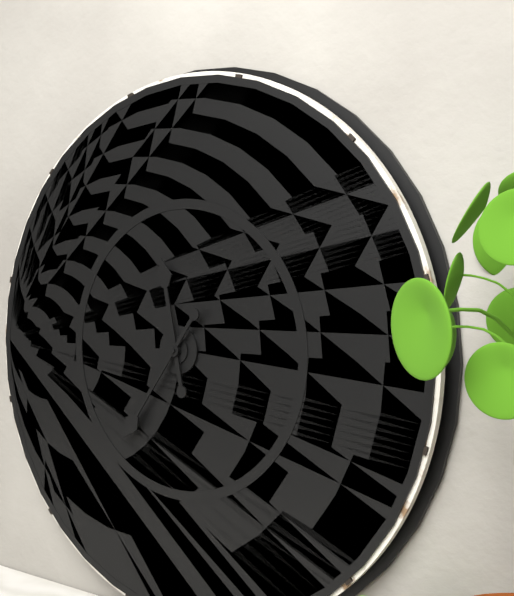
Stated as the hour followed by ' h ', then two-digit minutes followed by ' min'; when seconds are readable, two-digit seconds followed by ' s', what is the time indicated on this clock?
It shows 11 h 36 min
